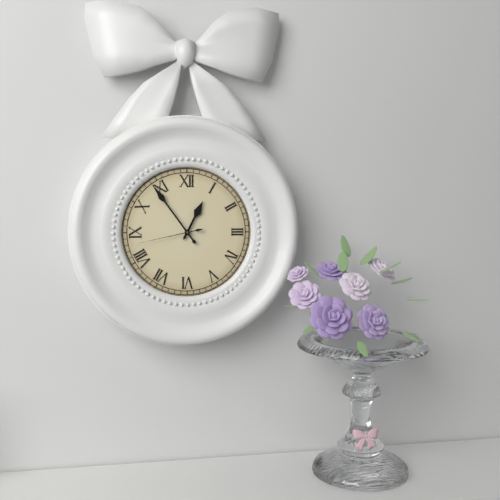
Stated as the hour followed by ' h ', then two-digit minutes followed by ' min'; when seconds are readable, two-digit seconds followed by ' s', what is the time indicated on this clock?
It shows 12 h 54 min 43 s
